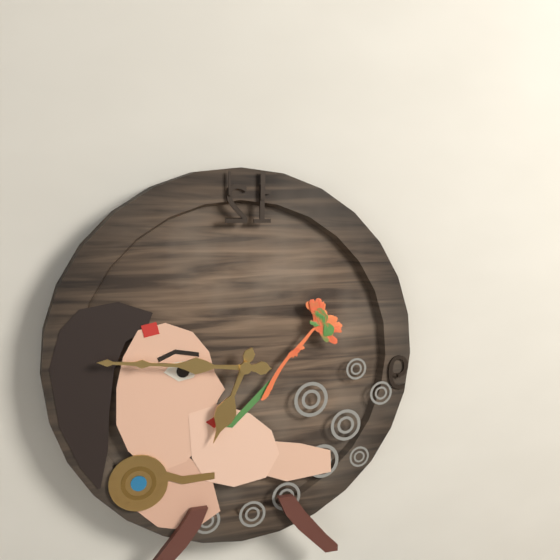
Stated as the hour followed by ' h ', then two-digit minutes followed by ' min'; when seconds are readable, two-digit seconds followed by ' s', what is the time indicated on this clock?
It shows 6 h 46 min
